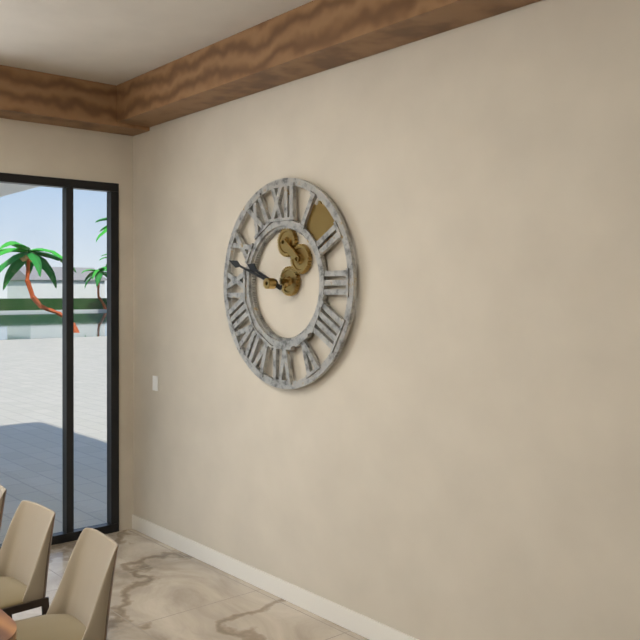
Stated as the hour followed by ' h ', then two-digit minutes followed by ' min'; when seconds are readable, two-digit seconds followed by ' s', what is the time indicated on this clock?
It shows 9 h 48 min
